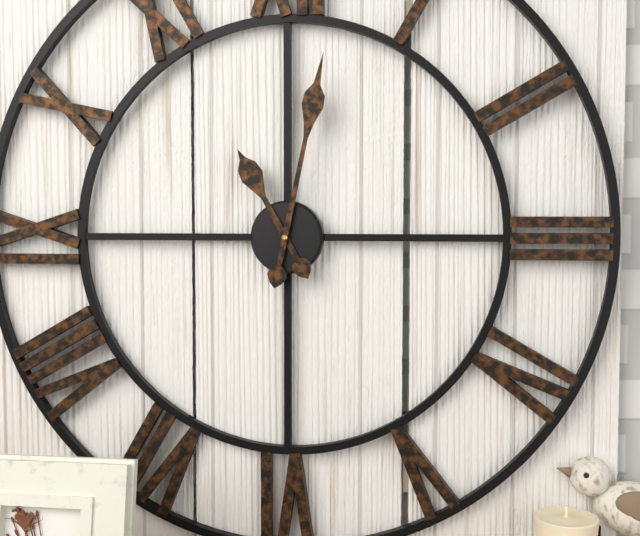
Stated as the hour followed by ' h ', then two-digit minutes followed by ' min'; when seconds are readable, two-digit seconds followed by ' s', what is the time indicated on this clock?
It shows 11 h 02 min
